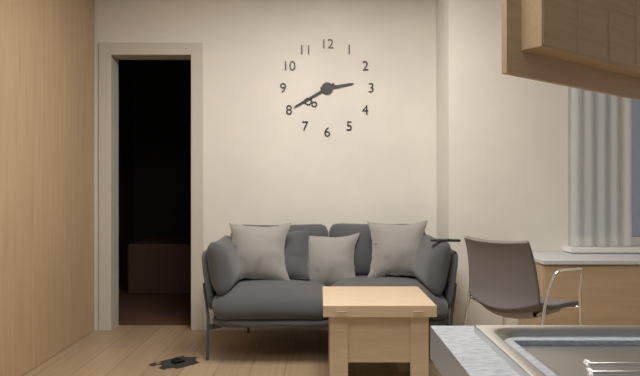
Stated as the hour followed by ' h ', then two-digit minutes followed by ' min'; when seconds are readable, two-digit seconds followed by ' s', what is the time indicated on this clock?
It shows 2 h 40 min
